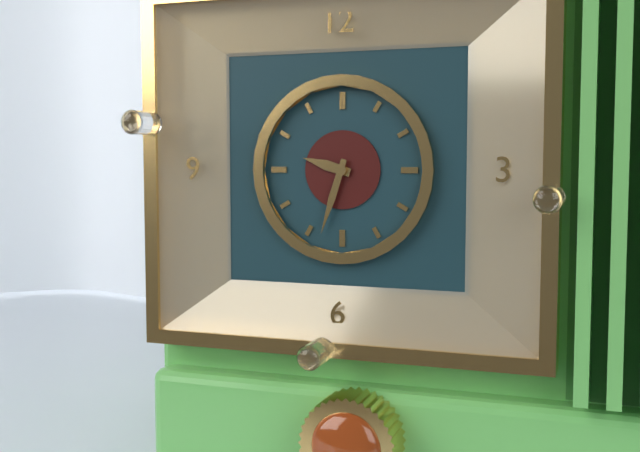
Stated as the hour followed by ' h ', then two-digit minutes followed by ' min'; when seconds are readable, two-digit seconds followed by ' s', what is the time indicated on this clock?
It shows 9 h 33 min
